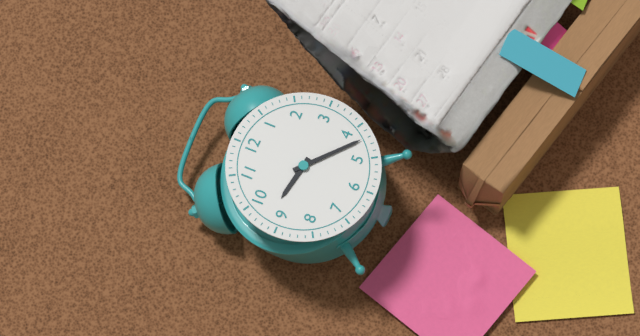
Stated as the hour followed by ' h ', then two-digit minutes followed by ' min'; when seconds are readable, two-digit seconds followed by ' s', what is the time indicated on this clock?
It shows 9 h 22 min
